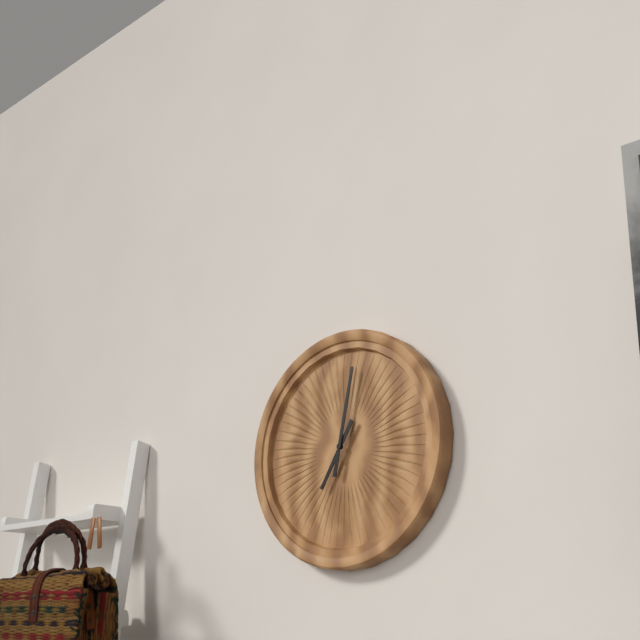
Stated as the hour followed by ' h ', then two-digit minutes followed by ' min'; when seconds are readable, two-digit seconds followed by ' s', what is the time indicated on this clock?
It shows 7 h 02 min
